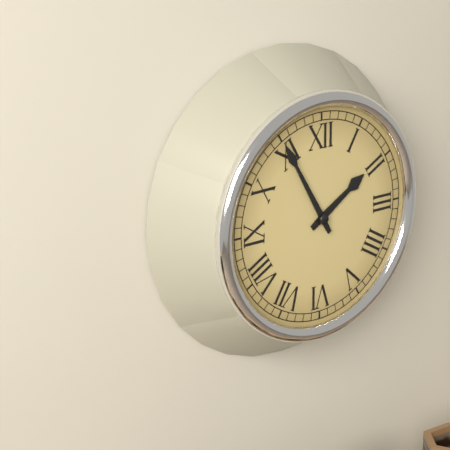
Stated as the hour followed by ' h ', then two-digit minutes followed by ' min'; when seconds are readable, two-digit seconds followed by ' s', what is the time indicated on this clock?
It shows 1 h 55 min
